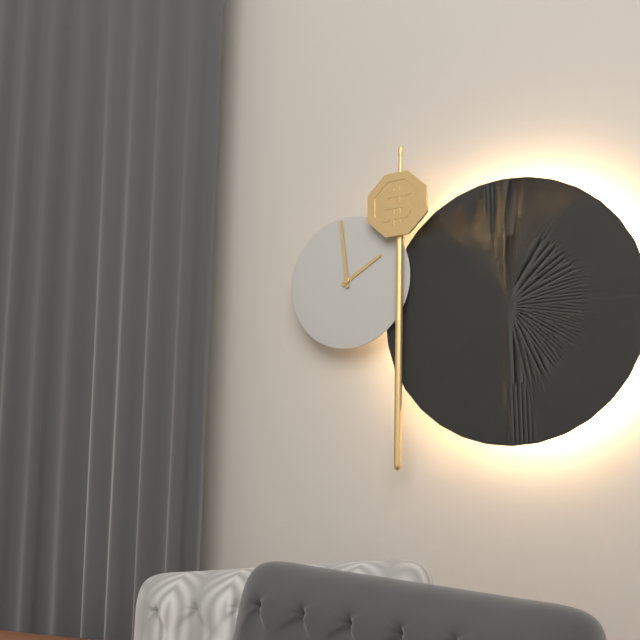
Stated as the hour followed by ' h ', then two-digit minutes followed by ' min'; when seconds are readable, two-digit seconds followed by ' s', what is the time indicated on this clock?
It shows 1 h 59 min
